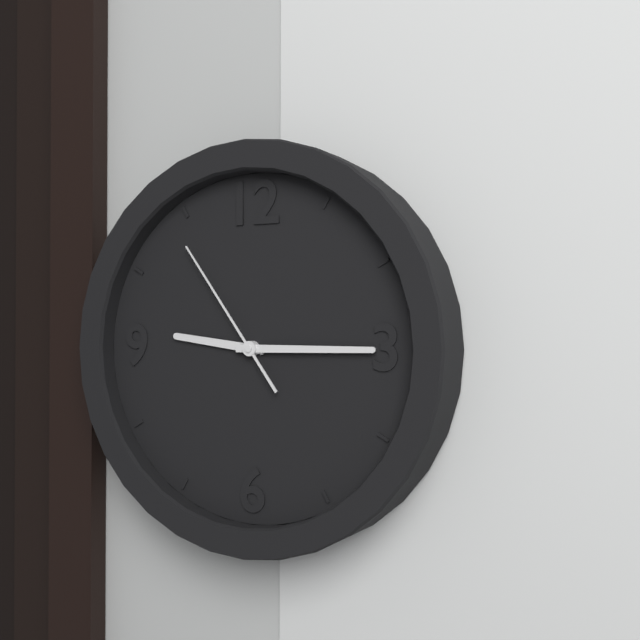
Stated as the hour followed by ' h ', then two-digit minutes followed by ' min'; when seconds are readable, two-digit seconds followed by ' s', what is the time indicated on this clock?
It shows 9 h 15 min 54 s
